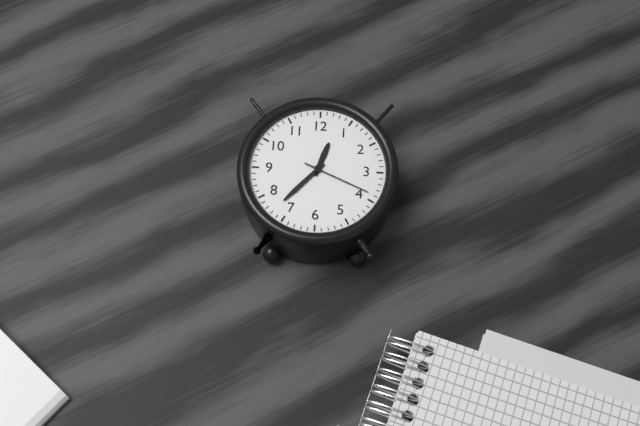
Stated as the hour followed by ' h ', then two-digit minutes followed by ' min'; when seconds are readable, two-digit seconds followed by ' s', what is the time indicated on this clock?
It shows 12 h 37 min 19 s
